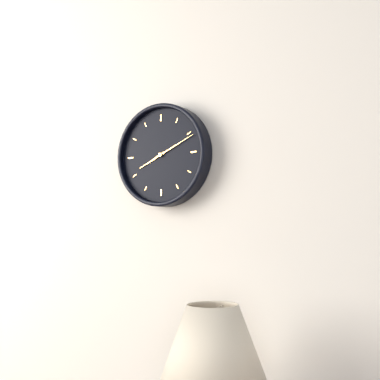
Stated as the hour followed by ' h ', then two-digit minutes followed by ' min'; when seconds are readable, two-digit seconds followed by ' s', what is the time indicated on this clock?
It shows 8 h 11 min
